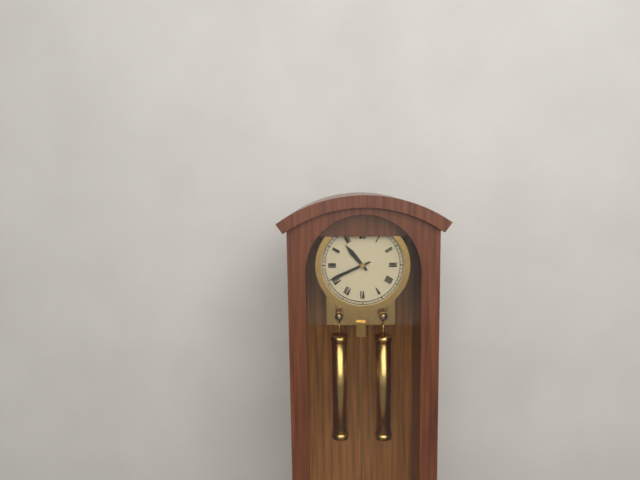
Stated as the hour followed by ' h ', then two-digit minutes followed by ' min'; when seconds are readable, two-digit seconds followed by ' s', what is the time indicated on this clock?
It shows 10 h 41 min
